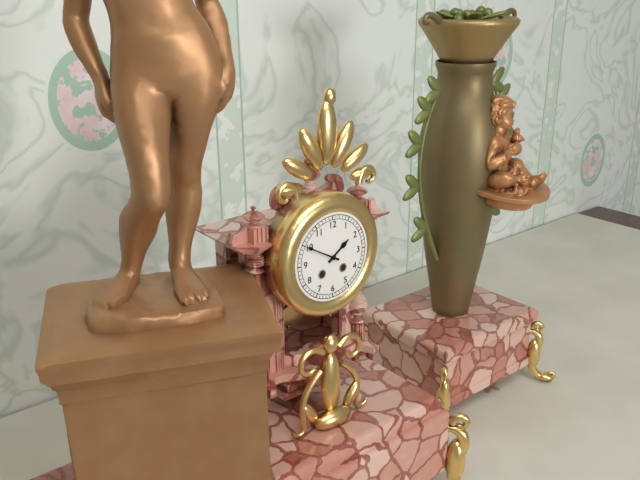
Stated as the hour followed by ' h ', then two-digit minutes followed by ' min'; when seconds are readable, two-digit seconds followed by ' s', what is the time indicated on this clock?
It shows 1 h 50 min
